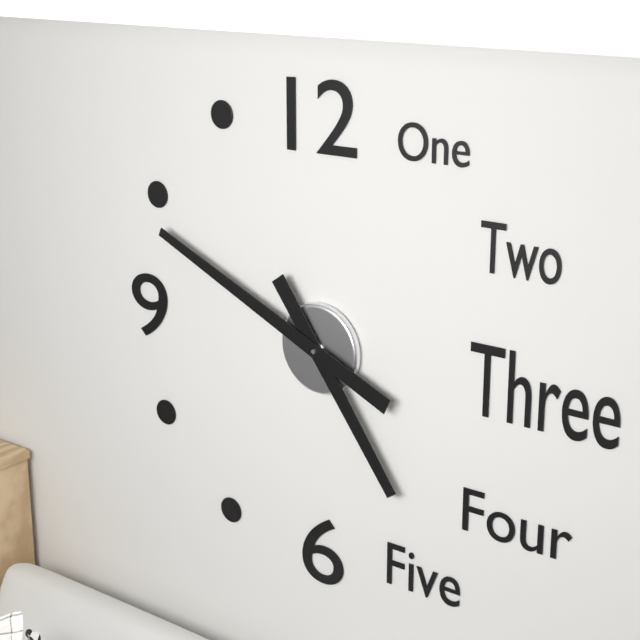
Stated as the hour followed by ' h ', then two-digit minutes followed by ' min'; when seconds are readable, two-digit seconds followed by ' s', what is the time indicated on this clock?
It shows 4 h 49 min
